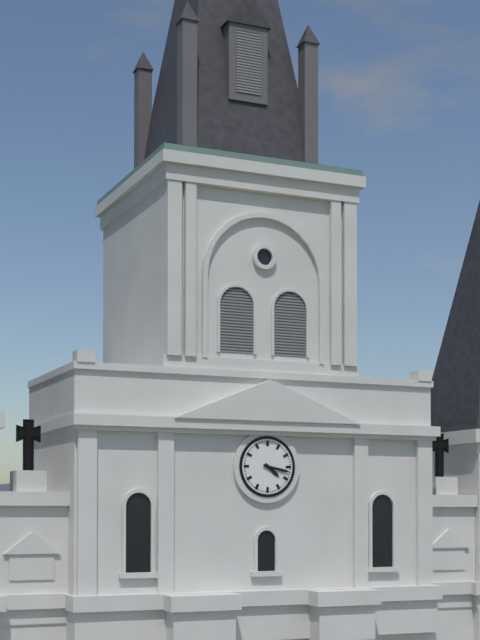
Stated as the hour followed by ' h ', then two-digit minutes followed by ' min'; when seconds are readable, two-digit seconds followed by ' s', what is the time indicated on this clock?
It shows 4 h 17 min
